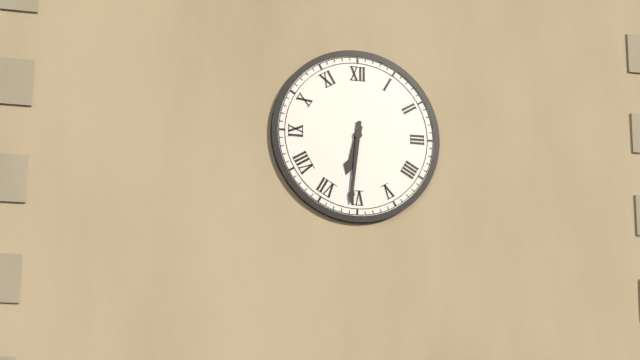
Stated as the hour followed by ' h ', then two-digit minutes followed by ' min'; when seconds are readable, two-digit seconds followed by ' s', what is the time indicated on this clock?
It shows 6 h 31 min
